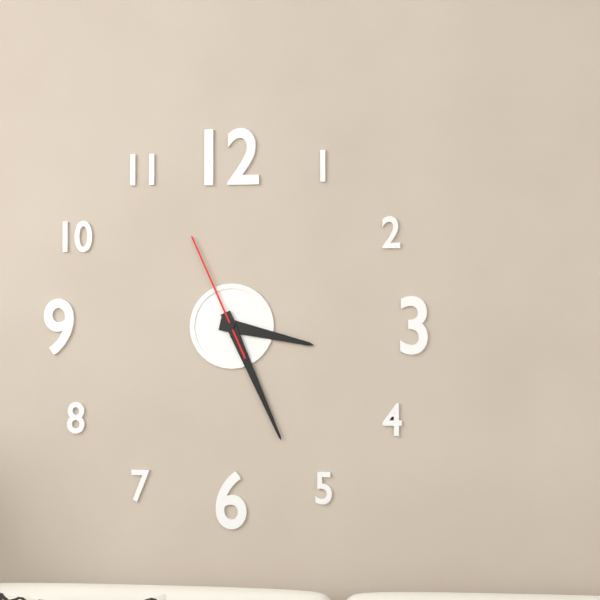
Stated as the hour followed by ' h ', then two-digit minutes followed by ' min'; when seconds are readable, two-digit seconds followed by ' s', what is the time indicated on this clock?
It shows 3 h 26 min 56 s
